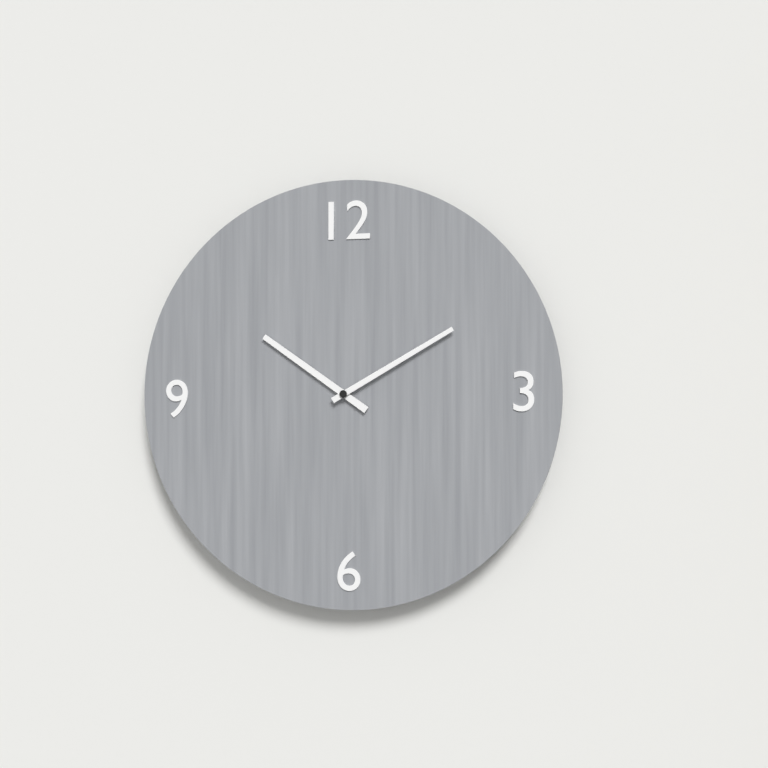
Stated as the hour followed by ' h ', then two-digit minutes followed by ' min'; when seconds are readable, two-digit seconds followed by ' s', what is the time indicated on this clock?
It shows 10 h 10 min
